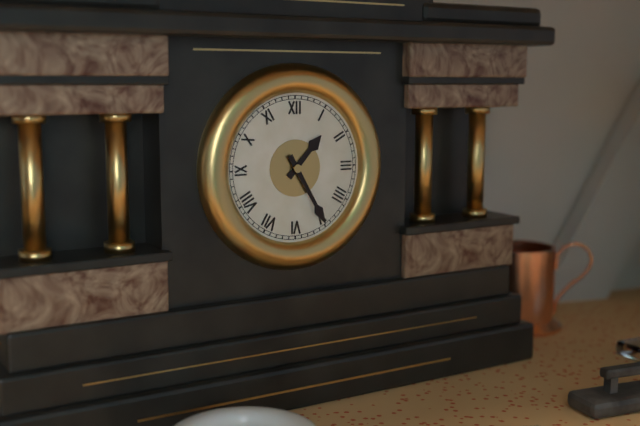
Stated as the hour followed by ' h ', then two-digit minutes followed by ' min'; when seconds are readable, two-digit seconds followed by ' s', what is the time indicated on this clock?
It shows 1 h 25 min
